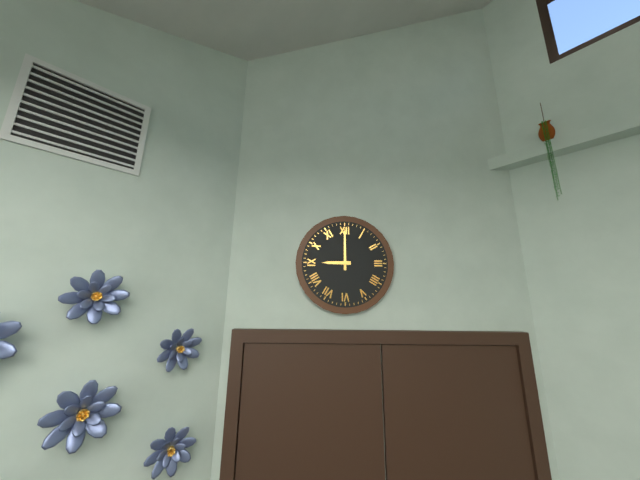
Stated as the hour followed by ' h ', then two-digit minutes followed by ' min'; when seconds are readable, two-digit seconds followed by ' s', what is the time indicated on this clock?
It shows 9 h 00 min
